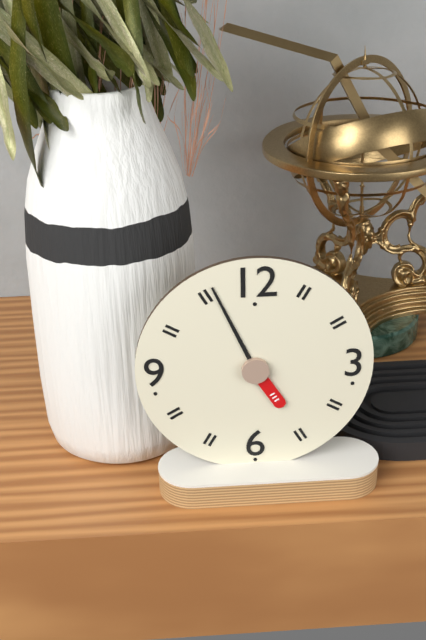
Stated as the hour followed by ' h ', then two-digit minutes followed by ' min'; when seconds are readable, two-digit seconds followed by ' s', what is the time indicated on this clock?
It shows 4 h 56 min
